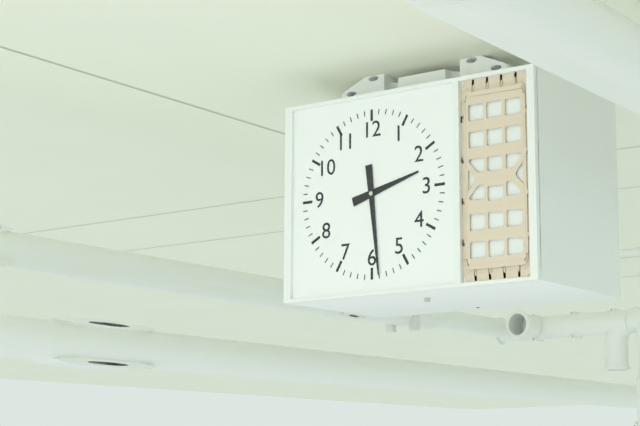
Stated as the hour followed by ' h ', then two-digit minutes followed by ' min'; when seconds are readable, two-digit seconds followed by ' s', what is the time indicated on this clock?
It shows 2 h 29 min
